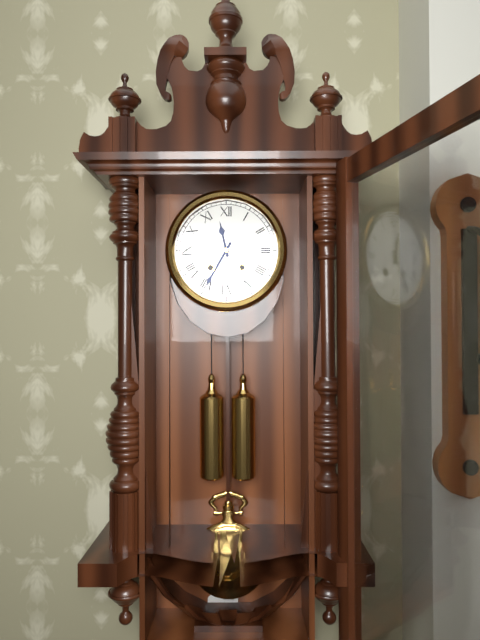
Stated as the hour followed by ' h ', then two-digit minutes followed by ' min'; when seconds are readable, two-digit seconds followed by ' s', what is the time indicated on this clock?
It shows 11 h 35 min
